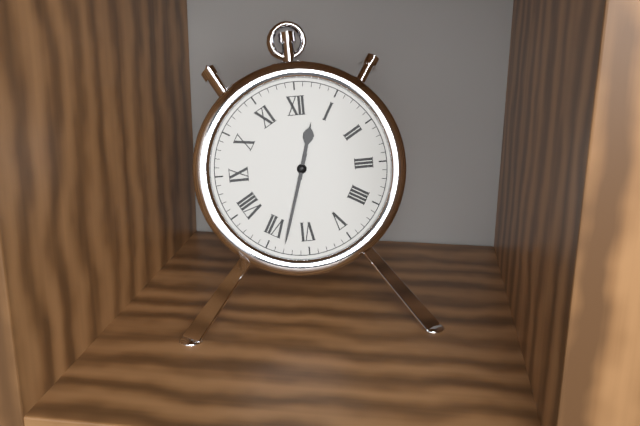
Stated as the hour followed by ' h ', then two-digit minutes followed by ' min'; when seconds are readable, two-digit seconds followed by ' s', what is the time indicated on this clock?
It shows 12 h 33 min
